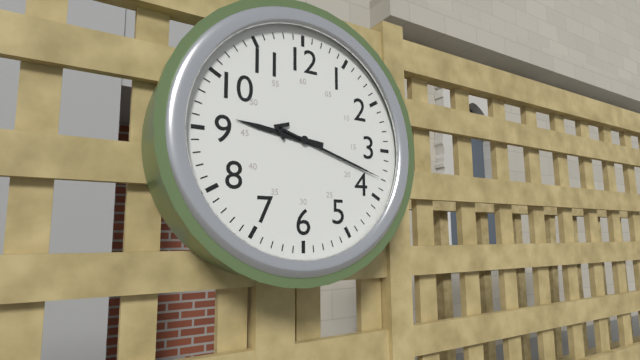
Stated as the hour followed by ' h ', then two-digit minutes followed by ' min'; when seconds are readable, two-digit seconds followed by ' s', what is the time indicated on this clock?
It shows 9 h 18 min
